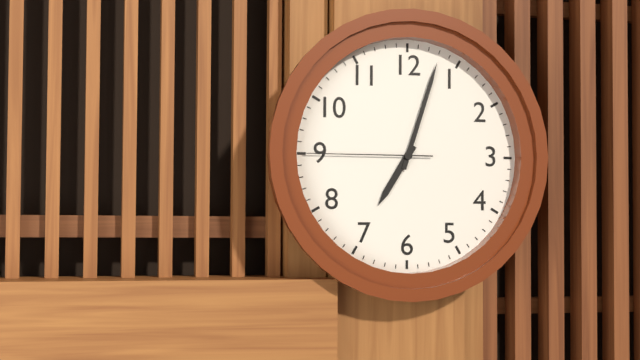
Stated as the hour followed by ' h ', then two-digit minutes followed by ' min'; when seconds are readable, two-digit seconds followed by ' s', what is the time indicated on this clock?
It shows 7 h 03 min 45 s
